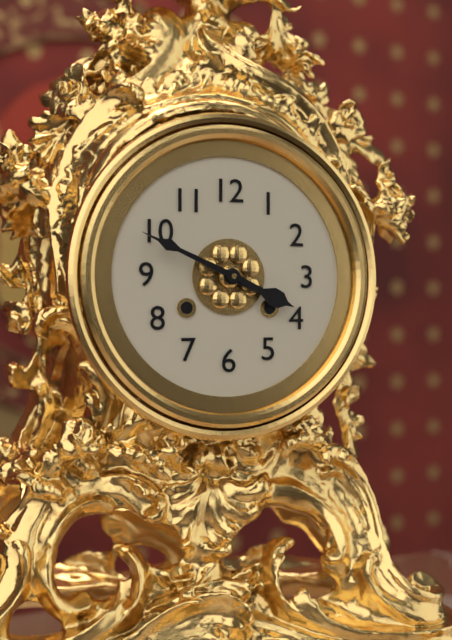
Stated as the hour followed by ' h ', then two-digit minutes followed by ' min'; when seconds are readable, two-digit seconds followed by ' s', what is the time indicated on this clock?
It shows 3 h 49 min
